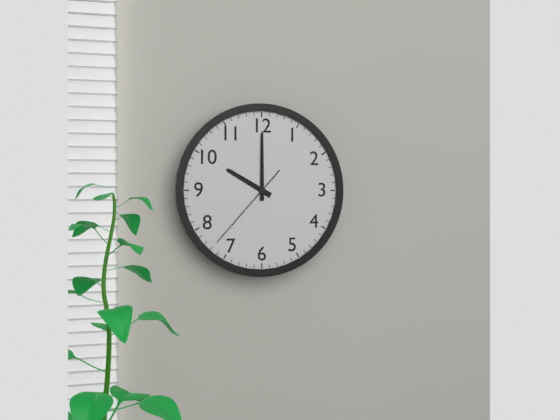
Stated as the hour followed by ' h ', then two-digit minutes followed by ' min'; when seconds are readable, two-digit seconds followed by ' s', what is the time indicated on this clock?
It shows 10 h 00 min 37 s
